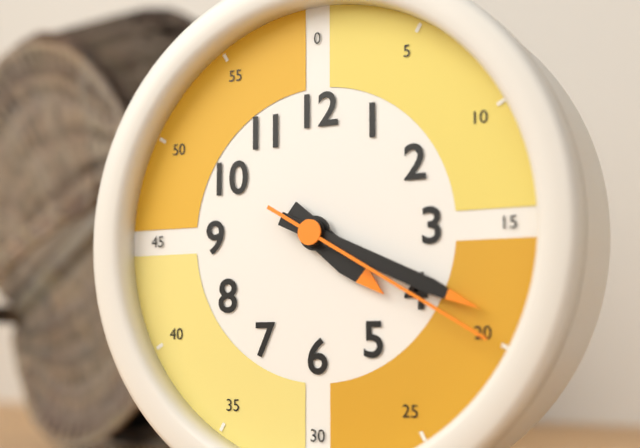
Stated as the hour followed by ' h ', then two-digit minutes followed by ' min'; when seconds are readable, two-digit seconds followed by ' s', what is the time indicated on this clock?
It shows 4 h 19 min 20 s
